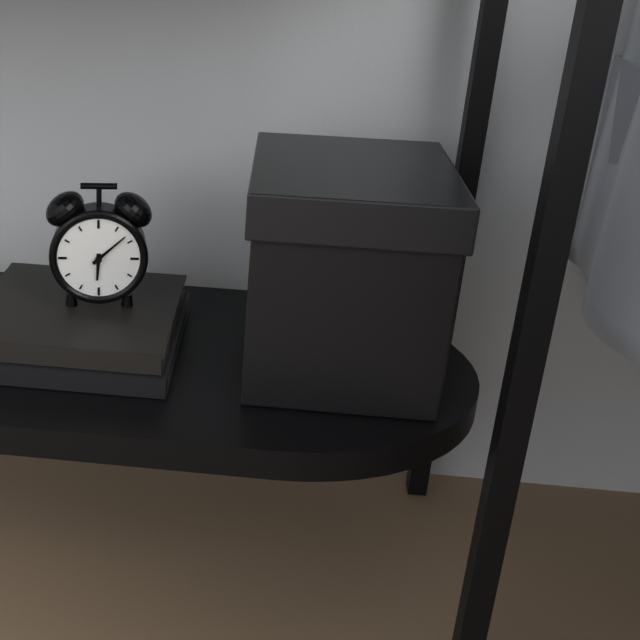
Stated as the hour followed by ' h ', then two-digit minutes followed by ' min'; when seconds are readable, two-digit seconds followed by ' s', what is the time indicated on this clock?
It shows 6 h 08 min
